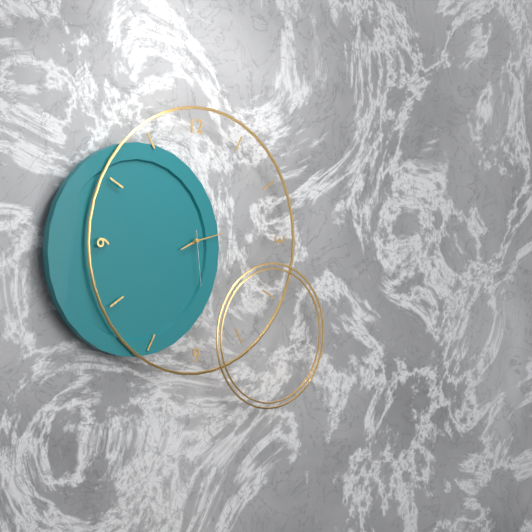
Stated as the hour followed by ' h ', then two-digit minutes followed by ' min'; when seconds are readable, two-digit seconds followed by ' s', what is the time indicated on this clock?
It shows 8 h 13 min 29 s
